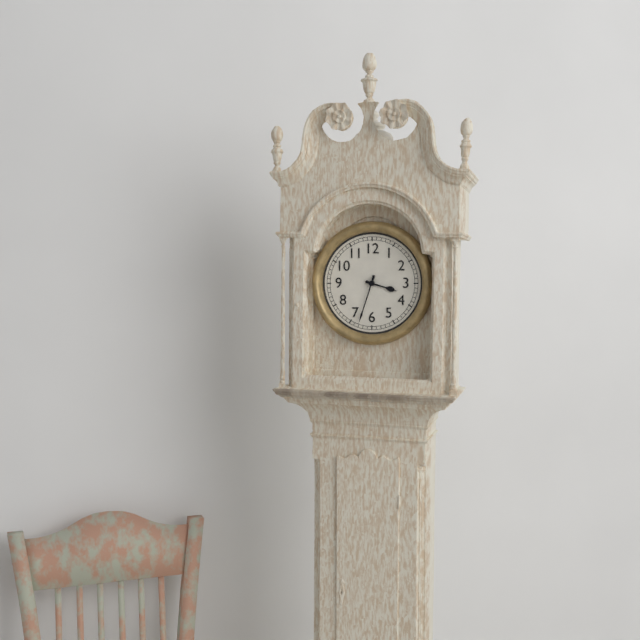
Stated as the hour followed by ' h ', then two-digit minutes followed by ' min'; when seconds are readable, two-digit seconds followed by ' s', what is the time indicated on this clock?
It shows 3 h 33 min
